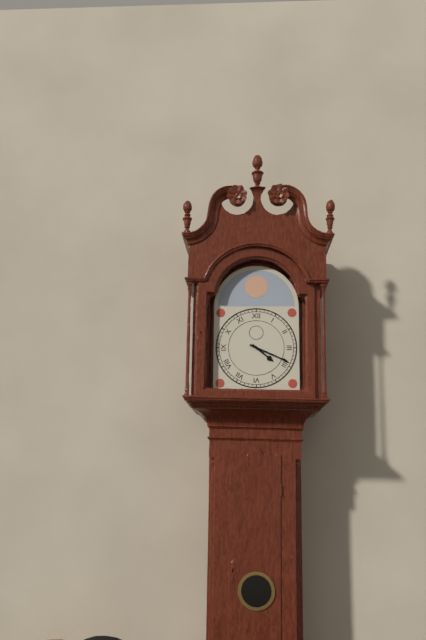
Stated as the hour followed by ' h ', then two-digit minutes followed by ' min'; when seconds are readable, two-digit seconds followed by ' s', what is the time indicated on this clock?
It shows 4 h 19 min
